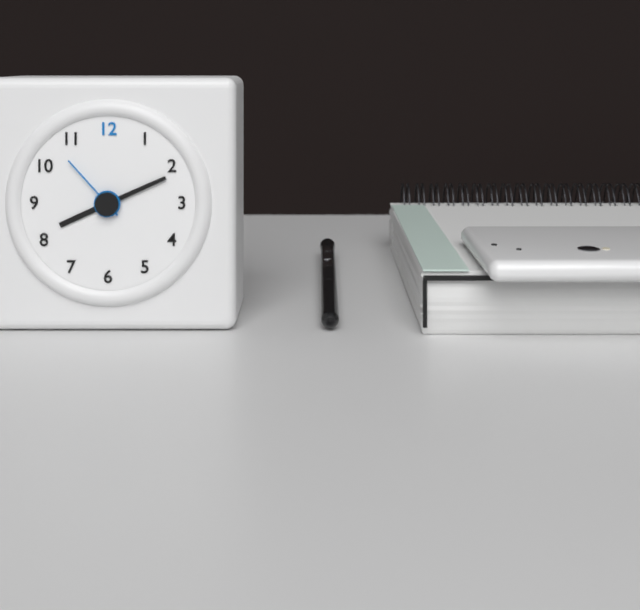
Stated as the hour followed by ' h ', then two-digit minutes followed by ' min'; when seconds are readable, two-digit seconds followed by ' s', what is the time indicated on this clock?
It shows 8 h 11 min 53 s
